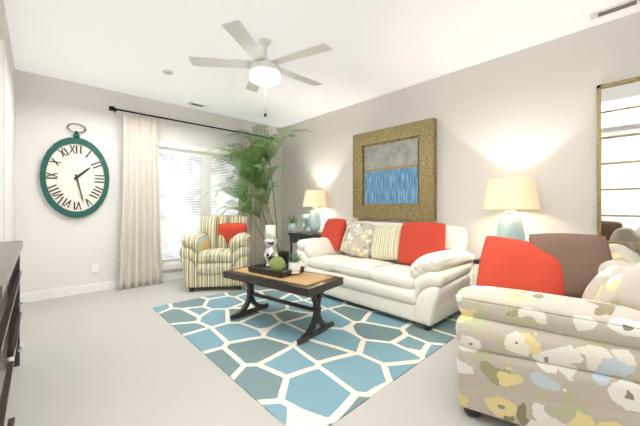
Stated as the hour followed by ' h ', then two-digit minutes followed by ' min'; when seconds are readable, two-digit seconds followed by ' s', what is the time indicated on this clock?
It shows 1 h 28 min
